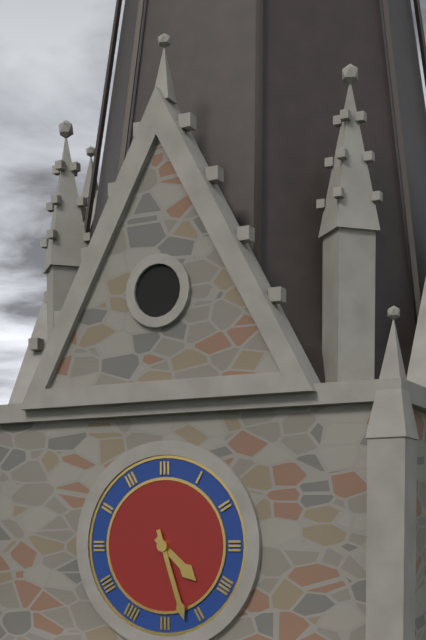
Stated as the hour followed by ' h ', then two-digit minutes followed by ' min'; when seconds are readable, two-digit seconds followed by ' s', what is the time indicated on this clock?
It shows 4 h 27 min
